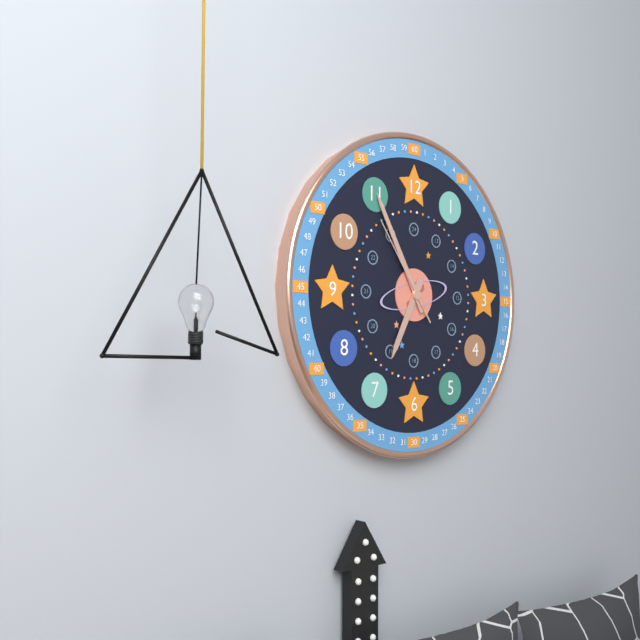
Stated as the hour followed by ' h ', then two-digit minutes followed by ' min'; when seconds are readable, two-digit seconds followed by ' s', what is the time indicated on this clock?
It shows 6 h 55 min 54 s
